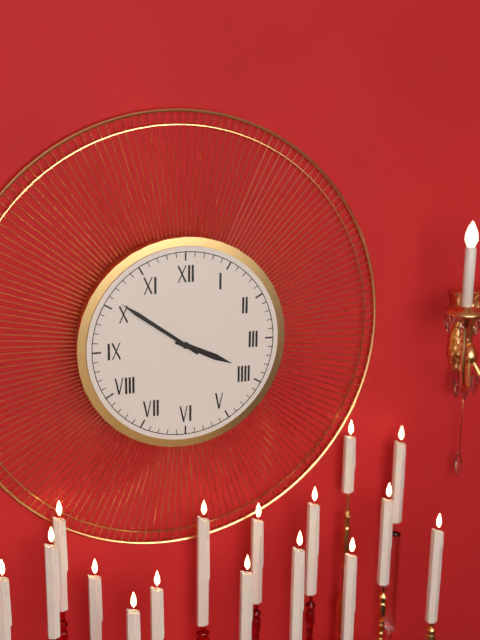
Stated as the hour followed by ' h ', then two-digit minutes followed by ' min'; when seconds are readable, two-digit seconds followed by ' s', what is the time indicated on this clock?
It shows 3 h 51 min
